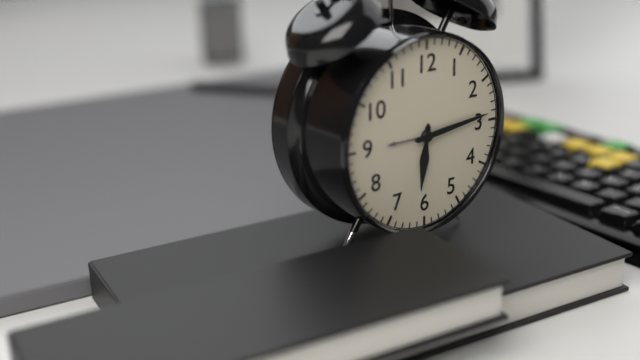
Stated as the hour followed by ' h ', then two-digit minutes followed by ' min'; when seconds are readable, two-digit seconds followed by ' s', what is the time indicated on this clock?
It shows 6 h 14 min
